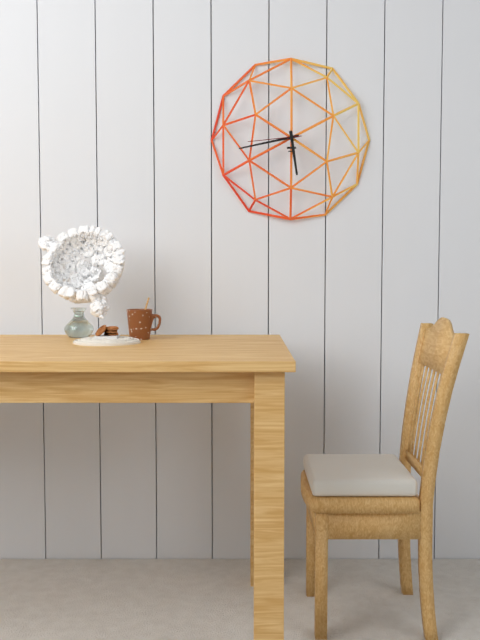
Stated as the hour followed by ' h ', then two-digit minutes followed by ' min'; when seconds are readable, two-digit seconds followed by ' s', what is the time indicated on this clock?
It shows 5 h 43 min 44 s
